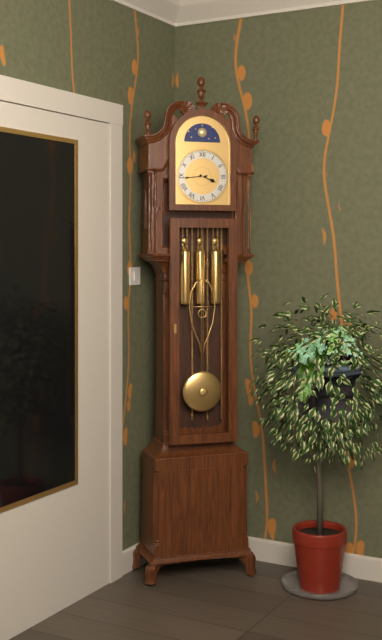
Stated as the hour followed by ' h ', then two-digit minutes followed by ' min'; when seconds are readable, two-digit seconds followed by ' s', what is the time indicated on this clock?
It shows 3 h 44 min
